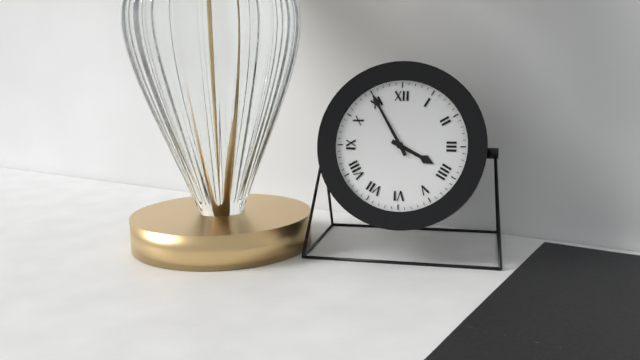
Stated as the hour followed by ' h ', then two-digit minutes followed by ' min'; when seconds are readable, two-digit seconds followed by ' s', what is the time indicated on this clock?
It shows 3 h 55 min
